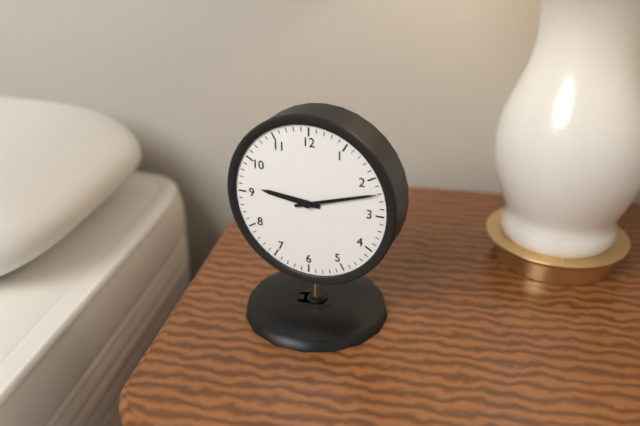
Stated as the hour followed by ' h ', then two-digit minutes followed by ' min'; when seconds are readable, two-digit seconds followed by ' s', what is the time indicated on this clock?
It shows 9 h 12 min
